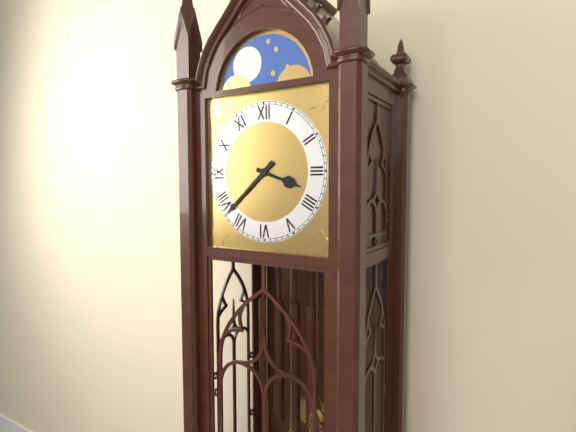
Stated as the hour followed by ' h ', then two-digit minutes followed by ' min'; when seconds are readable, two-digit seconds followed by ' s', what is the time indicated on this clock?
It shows 3 h 38 min
